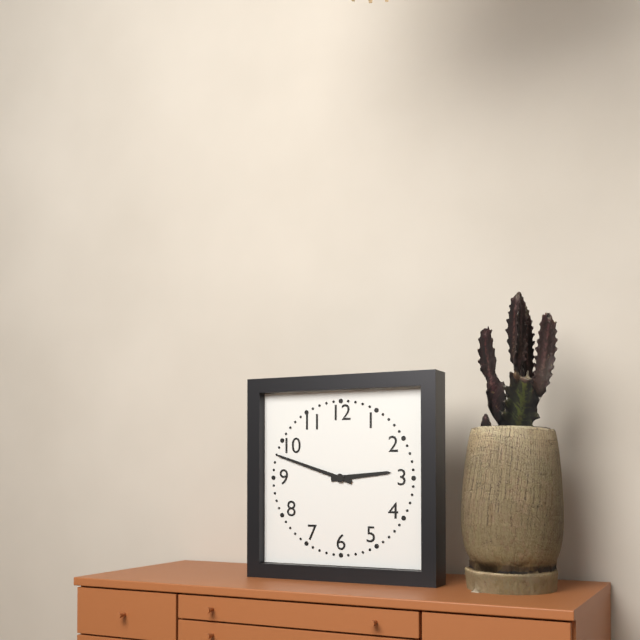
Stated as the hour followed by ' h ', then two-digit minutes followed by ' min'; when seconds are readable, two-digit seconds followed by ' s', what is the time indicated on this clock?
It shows 2 h 48 min
